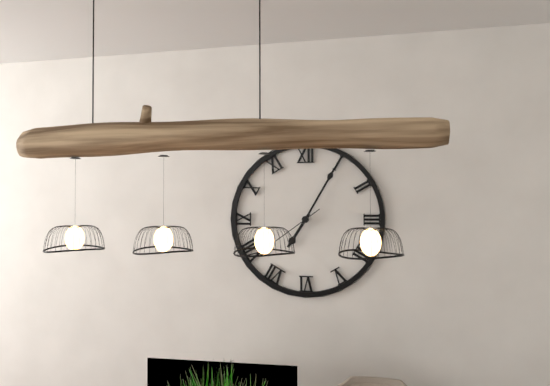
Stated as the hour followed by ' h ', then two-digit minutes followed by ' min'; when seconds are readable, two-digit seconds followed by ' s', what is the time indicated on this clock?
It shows 7 h 05 min
